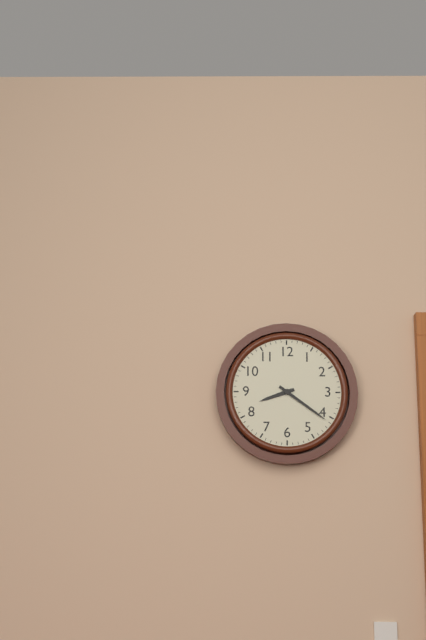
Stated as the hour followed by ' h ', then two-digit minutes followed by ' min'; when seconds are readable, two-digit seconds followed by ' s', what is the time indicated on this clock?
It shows 8 h 21 min
